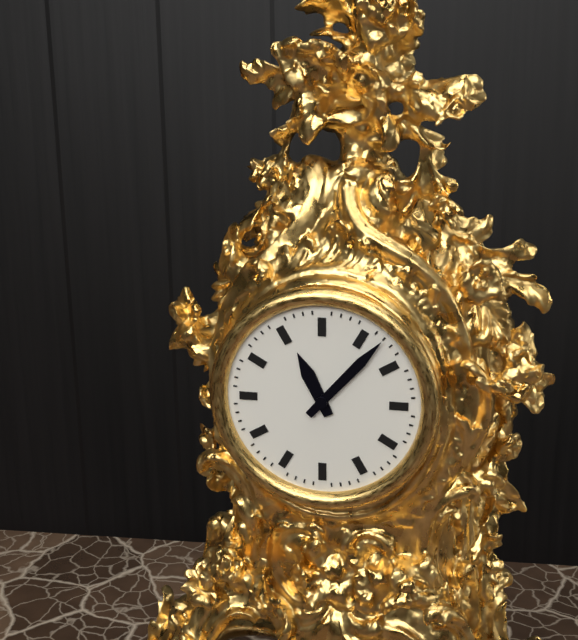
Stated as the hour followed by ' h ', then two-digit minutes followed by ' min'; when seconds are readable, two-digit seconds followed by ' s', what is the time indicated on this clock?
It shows 11 h 07 min
